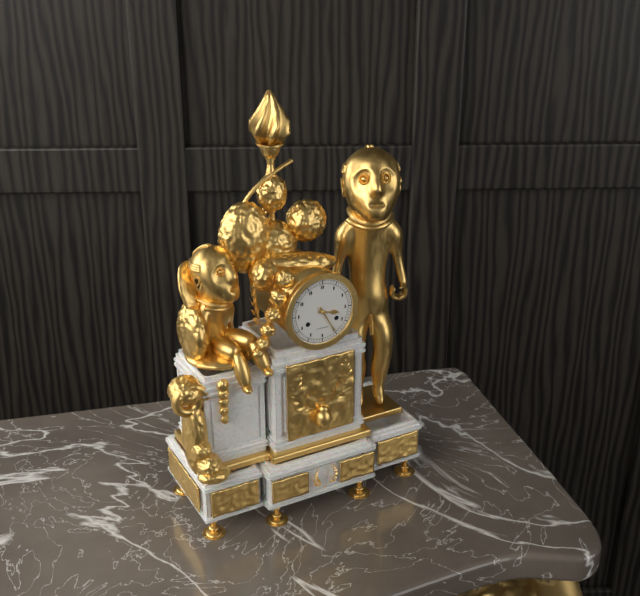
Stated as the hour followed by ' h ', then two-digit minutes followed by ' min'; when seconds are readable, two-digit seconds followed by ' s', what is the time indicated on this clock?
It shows 3 h 25 min
